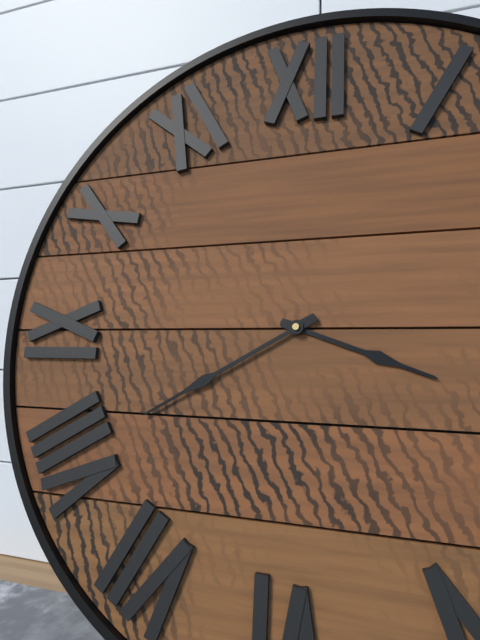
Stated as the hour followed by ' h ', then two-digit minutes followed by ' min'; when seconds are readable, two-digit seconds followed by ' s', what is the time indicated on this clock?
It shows 3 h 40 min
